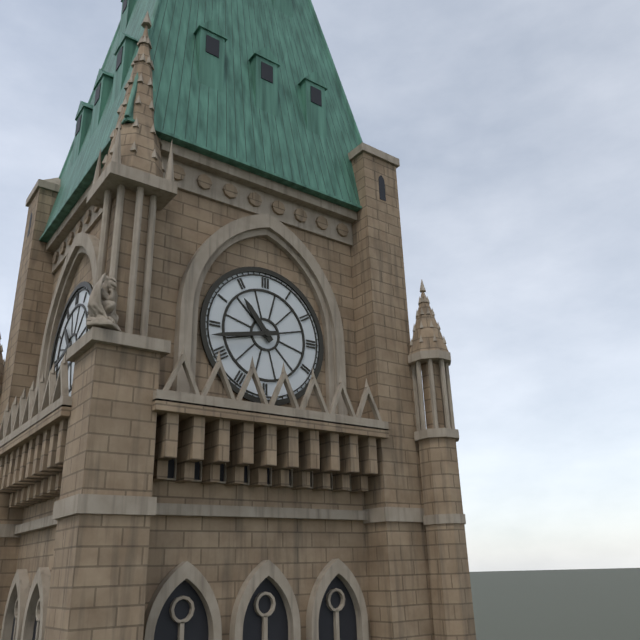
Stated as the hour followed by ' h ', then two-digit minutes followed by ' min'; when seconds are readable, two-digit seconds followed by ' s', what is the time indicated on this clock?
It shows 10 h 43 min
